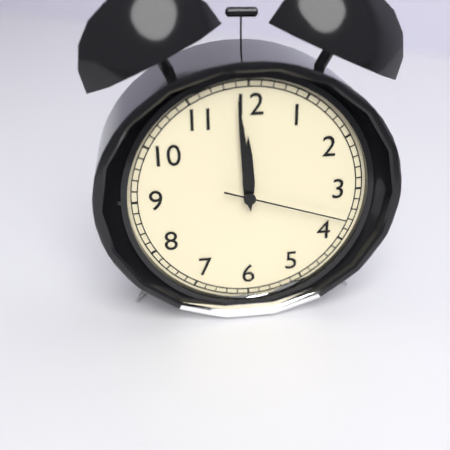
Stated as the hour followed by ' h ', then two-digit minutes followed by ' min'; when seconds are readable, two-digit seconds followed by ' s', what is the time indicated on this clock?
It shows 11 h 59 min 18 s
